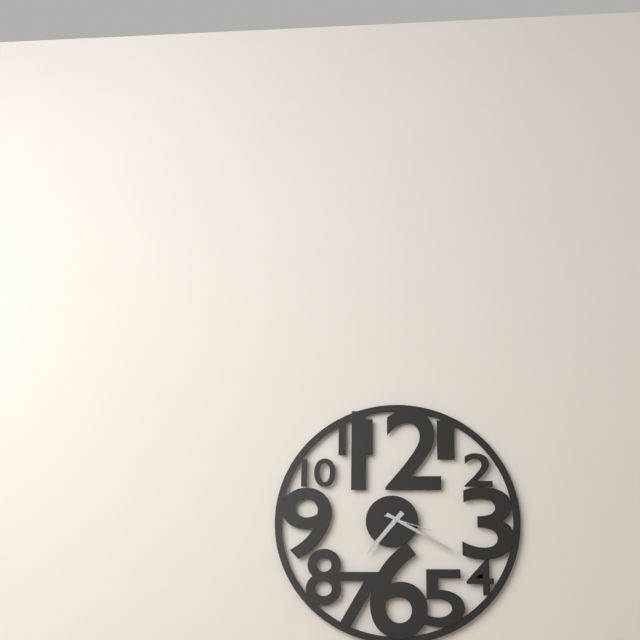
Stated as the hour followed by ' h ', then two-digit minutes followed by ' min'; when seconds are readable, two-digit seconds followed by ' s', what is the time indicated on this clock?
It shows 7 h 20 min
